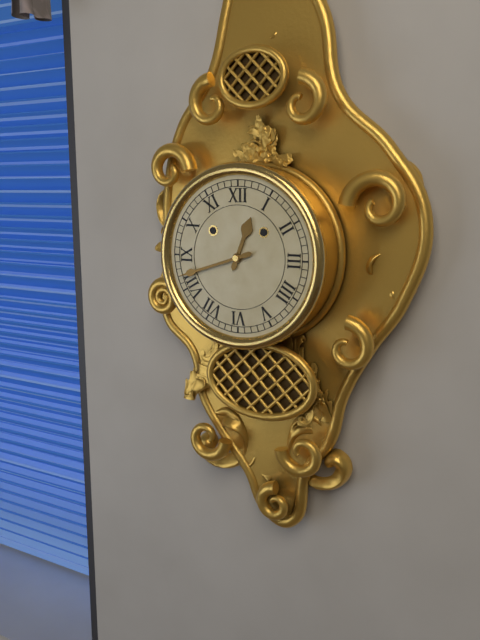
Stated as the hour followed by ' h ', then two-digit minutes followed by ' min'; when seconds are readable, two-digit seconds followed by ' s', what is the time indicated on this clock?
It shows 12 h 42 min
